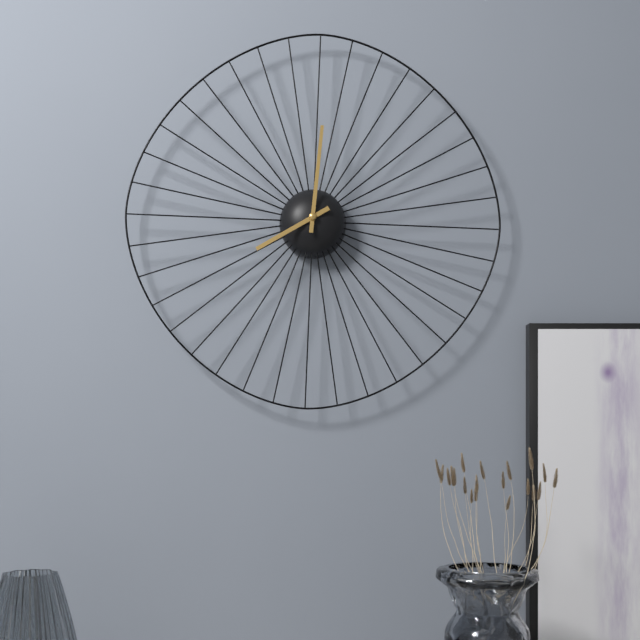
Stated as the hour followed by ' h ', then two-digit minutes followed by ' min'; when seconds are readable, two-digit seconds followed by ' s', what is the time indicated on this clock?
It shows 8 h 01 min
